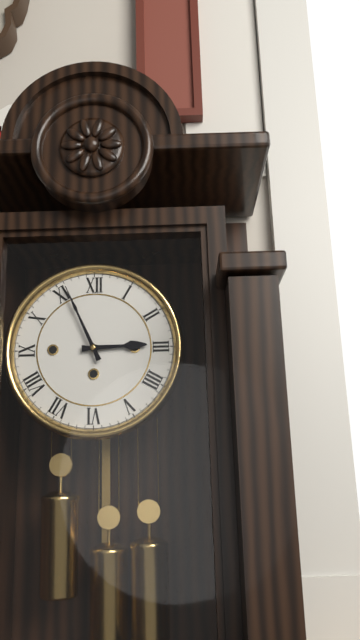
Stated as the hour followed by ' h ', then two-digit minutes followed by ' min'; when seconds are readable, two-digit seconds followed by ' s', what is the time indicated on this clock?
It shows 2 h 56 min
